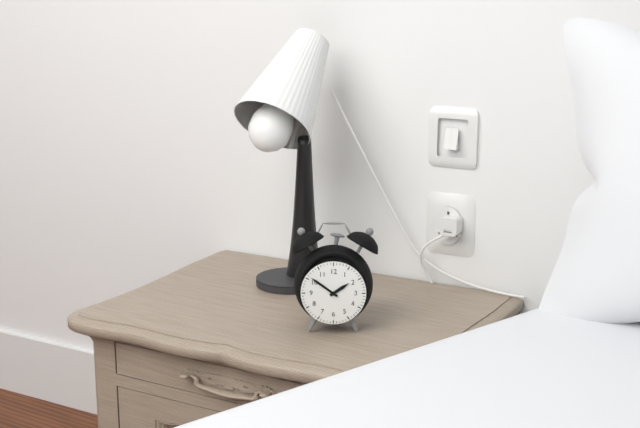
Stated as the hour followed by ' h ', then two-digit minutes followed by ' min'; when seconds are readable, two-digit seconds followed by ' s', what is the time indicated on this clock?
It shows 1 h 51 min
